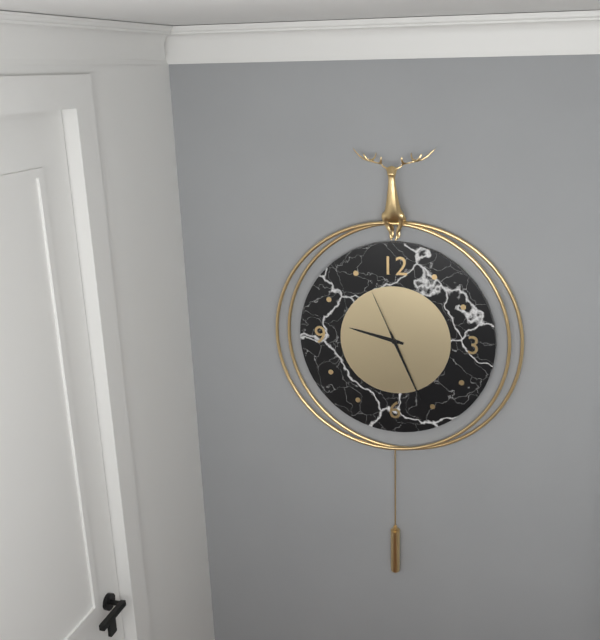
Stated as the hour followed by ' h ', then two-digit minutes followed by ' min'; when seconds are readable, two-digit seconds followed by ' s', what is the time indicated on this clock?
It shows 9 h 26 min 56 s
